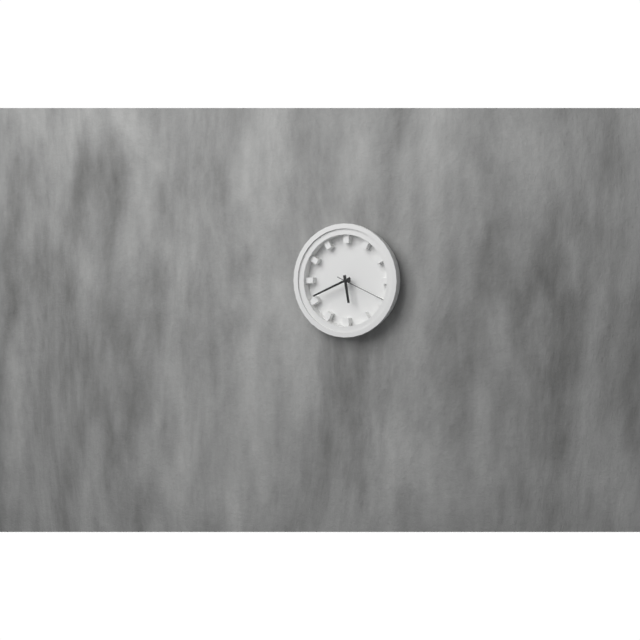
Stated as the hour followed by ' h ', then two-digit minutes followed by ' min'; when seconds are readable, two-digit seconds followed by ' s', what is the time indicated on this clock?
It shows 5 h 41 min 19 s
